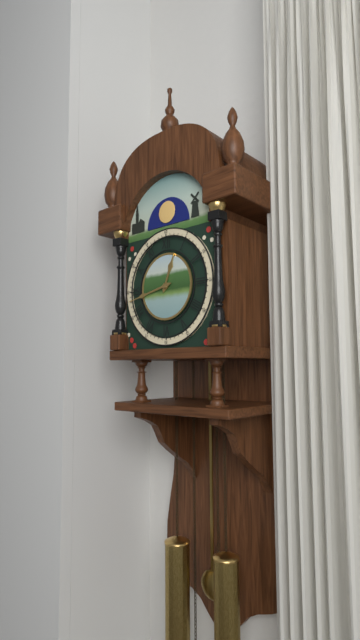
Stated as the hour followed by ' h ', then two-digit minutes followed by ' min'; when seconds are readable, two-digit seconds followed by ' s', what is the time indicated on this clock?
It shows 12 h 43 min
